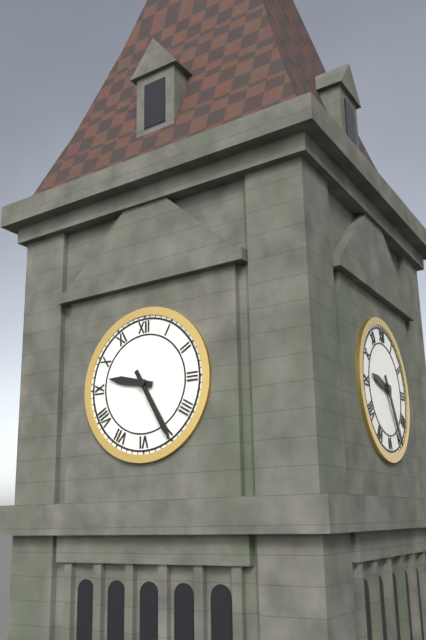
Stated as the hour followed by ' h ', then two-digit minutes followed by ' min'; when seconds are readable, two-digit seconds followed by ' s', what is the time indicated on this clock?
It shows 9 h 25 min
